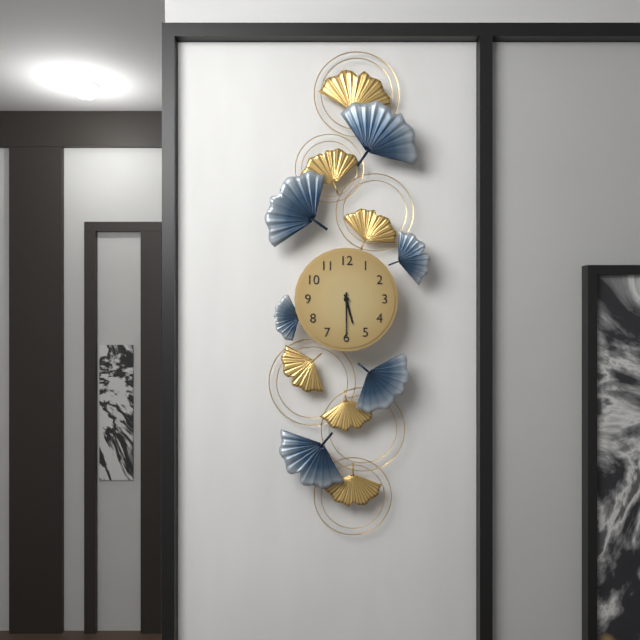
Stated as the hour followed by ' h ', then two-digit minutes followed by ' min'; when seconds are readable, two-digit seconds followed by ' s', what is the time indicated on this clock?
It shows 5 h 30 min
